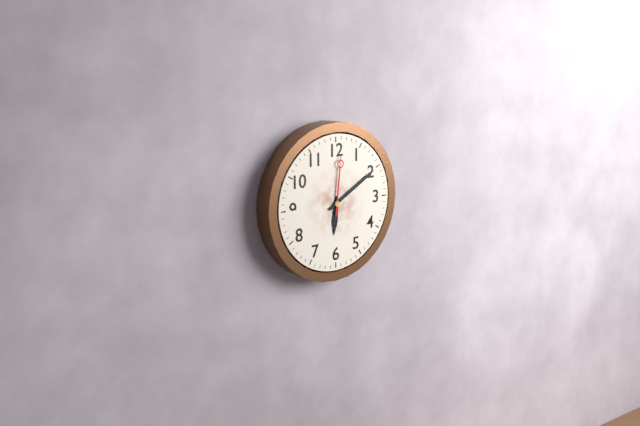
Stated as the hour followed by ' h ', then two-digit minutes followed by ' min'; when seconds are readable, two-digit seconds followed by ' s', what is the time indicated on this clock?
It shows 6 h 10 min 01 s
